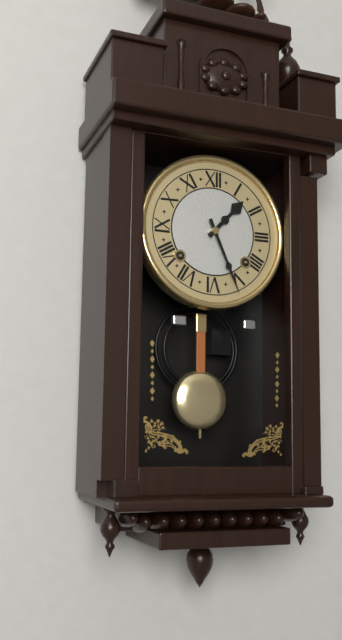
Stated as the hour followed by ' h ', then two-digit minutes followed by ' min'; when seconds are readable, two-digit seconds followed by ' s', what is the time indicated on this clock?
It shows 1 h 26 min
